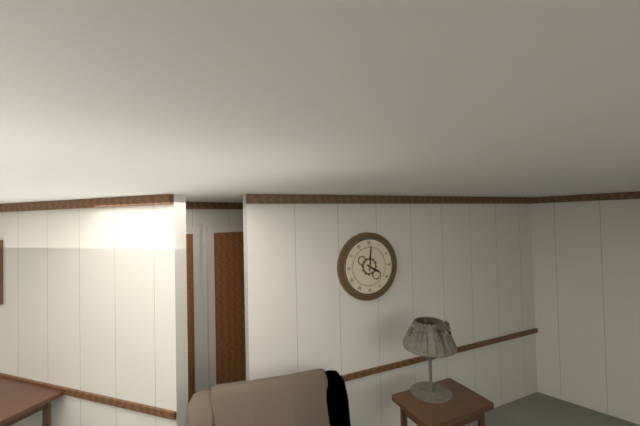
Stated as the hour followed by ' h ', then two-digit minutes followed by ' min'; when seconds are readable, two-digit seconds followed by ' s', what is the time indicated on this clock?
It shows 4 h 01 min
